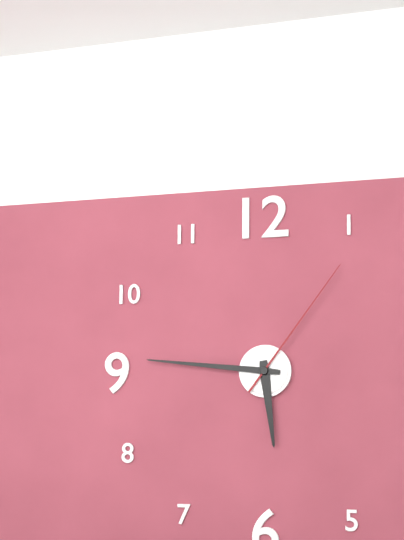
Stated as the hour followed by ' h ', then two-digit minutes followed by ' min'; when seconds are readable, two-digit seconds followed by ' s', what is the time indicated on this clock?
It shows 5 h 46 min 06 s
